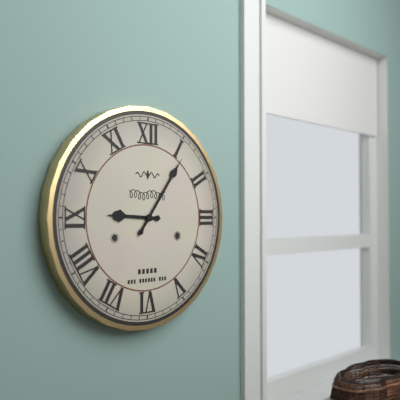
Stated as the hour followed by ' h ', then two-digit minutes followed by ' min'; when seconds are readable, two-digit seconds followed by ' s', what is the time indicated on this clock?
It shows 9 h 06 min
